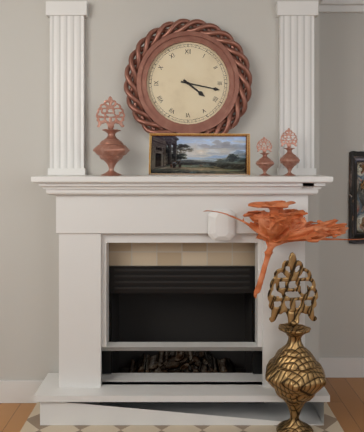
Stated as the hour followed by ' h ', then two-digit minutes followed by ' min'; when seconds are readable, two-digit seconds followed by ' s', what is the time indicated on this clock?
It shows 4 h 17 min
